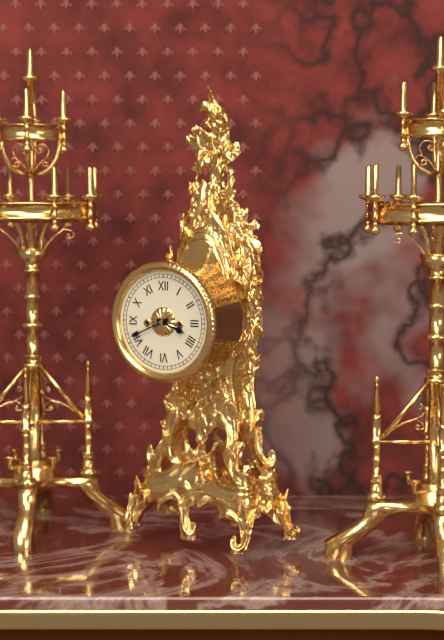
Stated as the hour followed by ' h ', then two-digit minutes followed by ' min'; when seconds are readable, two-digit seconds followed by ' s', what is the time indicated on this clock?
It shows 3 h 41 min
